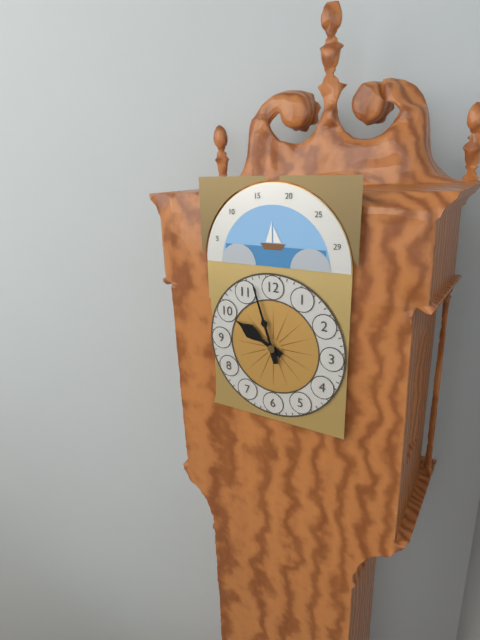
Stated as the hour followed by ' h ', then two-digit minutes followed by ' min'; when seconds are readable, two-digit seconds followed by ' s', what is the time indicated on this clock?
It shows 9 h 57 min
